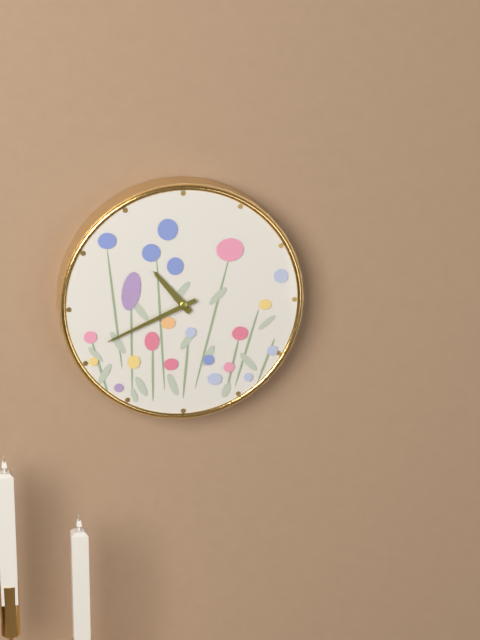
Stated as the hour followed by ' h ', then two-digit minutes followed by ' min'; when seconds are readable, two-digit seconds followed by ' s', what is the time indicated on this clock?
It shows 10 h 41 min
